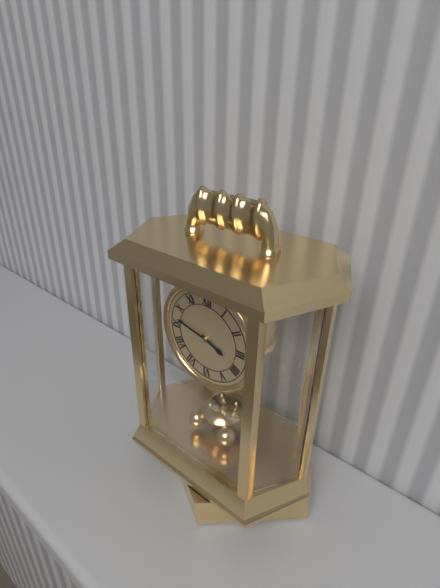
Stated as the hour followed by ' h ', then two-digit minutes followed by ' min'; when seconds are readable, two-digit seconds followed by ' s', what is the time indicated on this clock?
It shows 3 h 47 min
